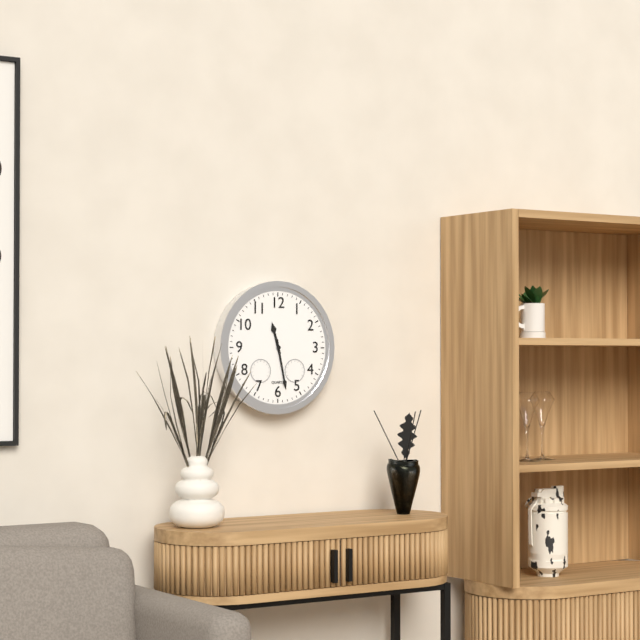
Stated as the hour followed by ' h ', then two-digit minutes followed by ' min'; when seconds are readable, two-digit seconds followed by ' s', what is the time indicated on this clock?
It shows 11 h 28 min
